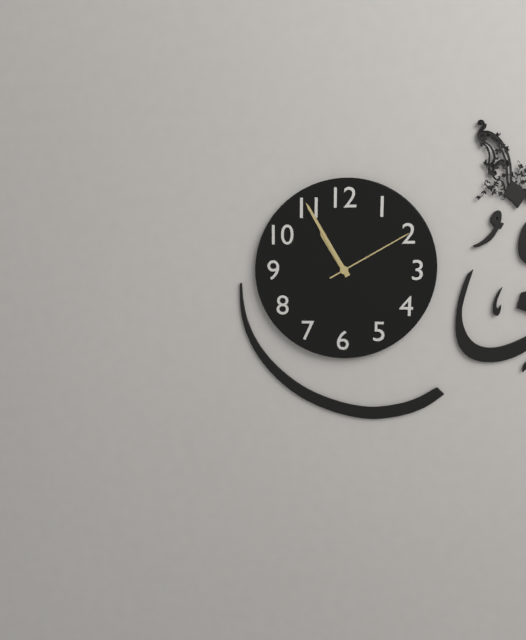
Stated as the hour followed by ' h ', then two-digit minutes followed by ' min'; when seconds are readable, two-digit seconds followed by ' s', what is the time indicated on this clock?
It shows 10 h 55 min 10 s
